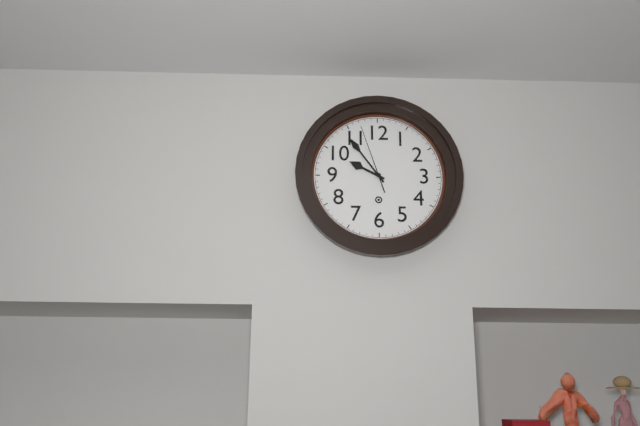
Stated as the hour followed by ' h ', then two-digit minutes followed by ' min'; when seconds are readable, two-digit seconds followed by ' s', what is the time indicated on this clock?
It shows 9 h 54 min 57 s
